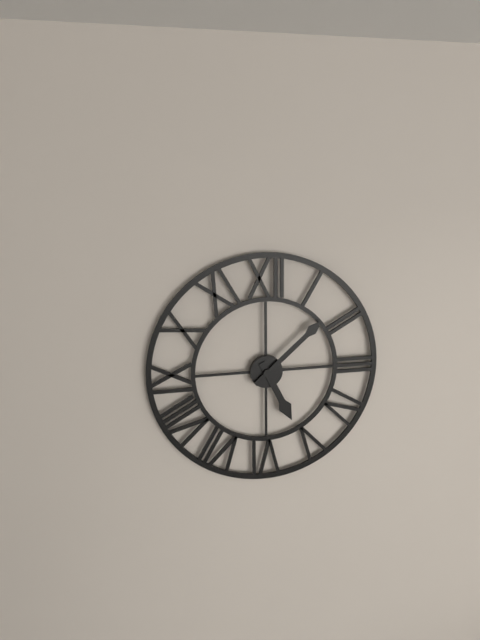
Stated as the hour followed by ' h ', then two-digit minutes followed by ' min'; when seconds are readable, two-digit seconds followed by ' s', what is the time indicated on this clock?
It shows 5 h 08 min
